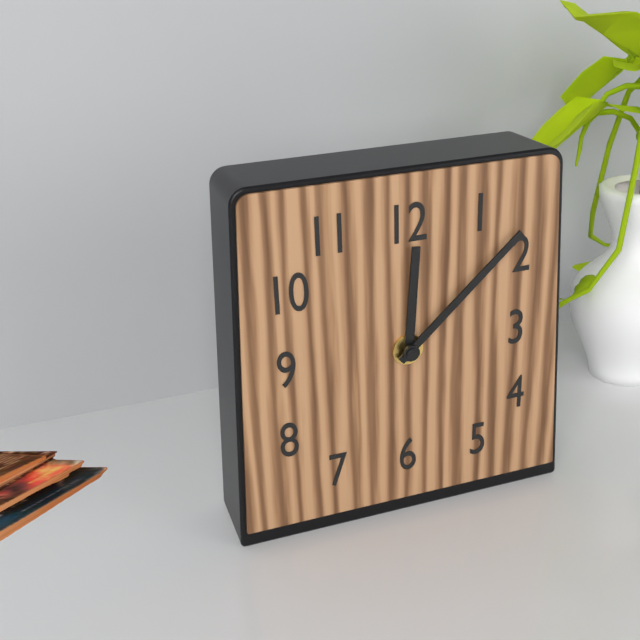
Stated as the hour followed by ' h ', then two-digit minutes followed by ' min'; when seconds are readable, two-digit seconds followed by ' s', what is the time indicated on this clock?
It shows 12 h 08 min
